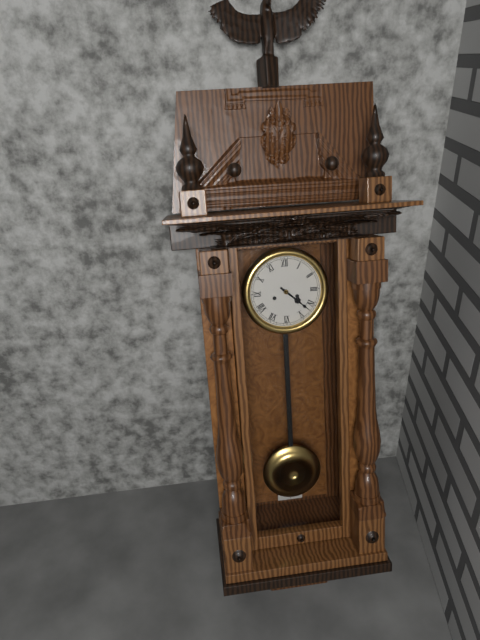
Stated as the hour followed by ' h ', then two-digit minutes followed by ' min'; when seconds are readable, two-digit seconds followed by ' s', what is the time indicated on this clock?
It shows 4 h 22 min
